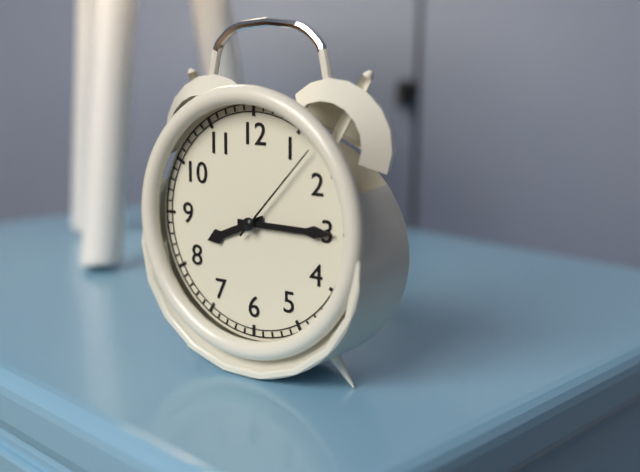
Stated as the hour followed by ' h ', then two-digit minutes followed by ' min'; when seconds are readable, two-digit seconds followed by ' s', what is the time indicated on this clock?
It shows 8 h 15 min 07 s
